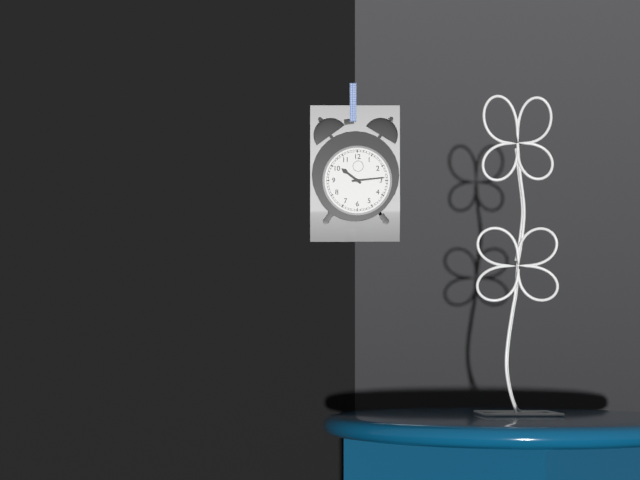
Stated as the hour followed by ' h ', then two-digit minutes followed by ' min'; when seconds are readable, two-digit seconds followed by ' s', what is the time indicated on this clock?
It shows 10 h 14 min
